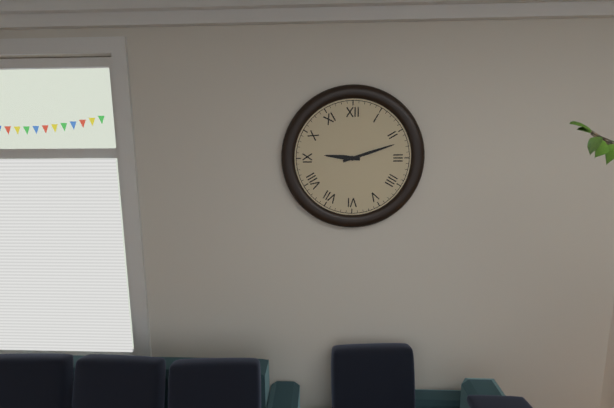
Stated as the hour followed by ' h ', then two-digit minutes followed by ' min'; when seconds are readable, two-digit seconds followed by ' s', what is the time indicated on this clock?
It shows 9 h 12 min
